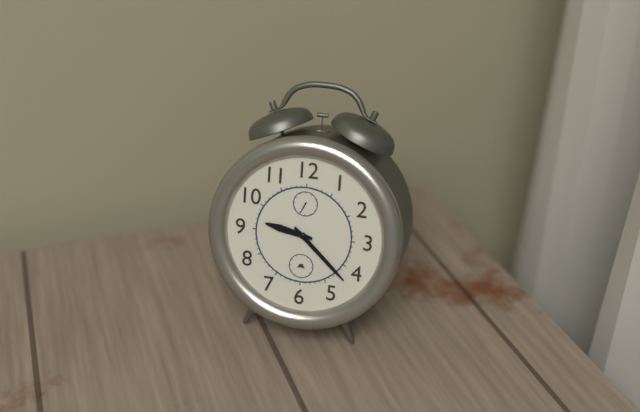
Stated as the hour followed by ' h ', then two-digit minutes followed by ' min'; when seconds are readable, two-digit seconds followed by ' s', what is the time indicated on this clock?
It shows 9 h 22 min
